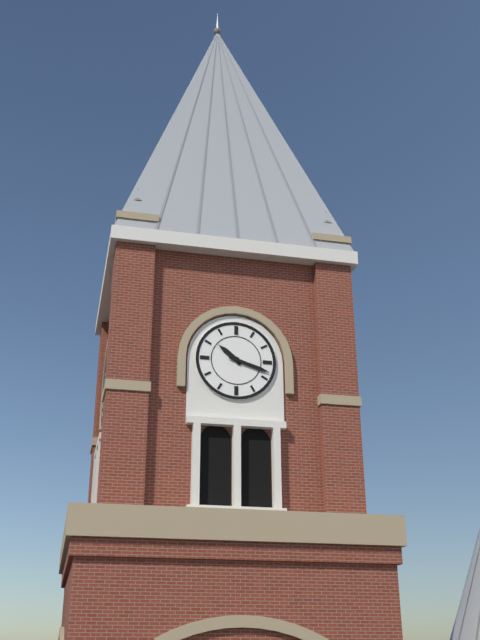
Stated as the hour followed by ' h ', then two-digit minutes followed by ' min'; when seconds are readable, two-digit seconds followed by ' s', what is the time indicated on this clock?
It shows 10 h 18 min
